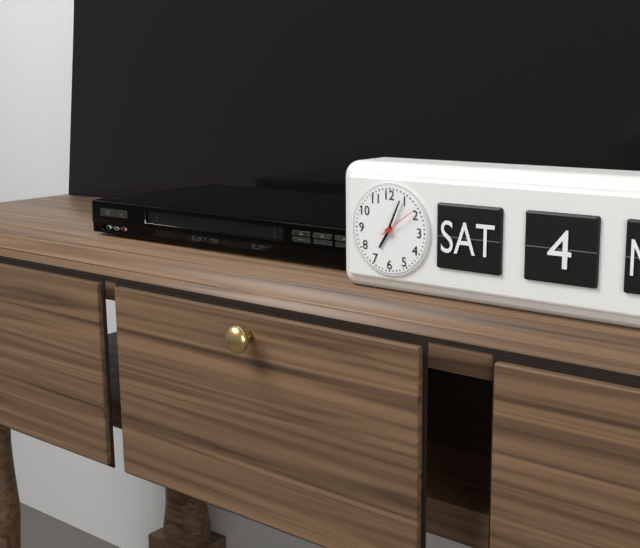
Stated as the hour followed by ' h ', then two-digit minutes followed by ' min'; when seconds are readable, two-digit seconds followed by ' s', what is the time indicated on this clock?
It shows 7 h 04 min
